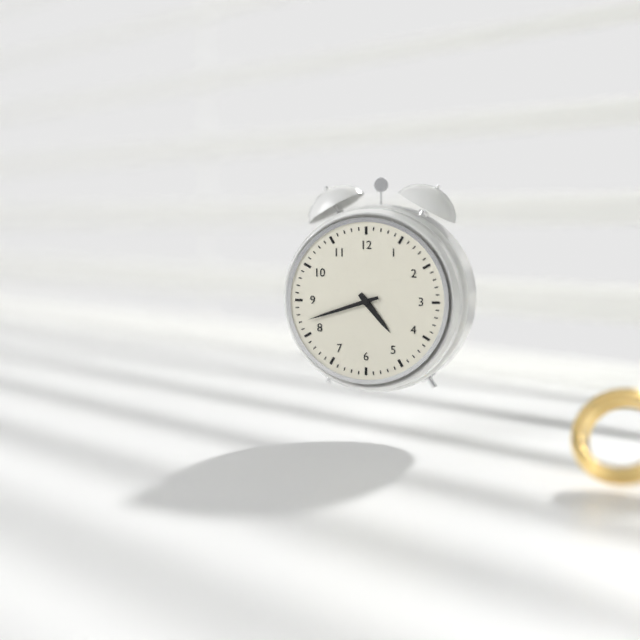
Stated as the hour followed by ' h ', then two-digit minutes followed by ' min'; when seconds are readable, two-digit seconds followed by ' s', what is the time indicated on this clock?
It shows 4 h 42 min
